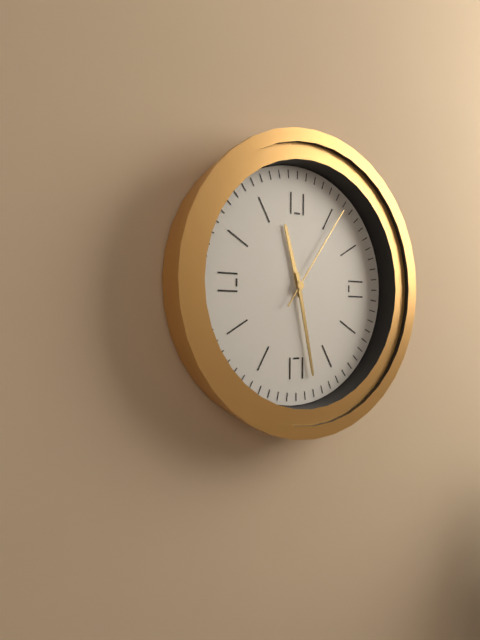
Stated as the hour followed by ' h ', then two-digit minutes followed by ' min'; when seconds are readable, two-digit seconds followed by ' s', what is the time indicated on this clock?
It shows 11 h 28 min 06 s
